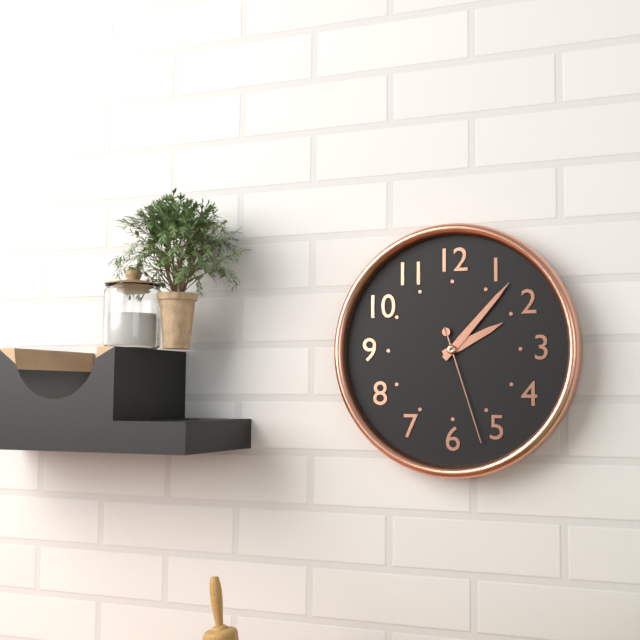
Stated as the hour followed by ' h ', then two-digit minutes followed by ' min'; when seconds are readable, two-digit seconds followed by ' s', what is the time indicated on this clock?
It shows 2 h 07 min 27 s
